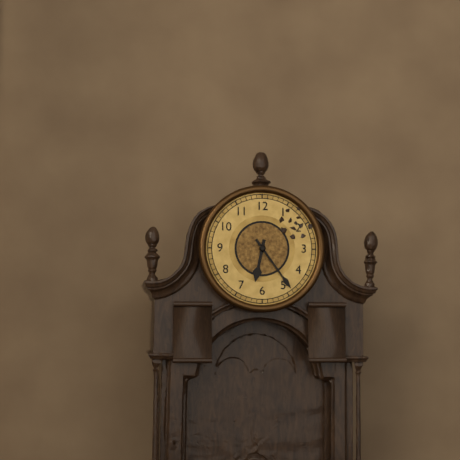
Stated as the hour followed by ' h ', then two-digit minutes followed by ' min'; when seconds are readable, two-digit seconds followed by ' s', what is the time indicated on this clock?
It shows 6 h 24 min
